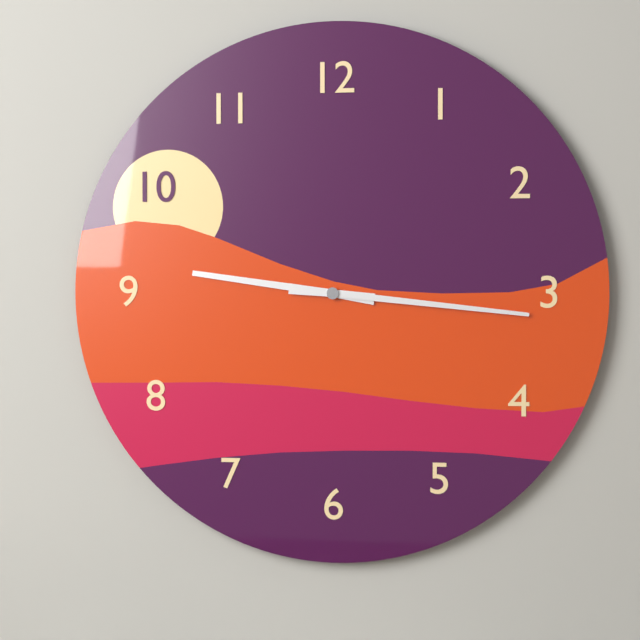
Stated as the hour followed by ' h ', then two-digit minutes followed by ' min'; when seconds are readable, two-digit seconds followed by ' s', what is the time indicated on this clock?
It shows 9 h 16 min
